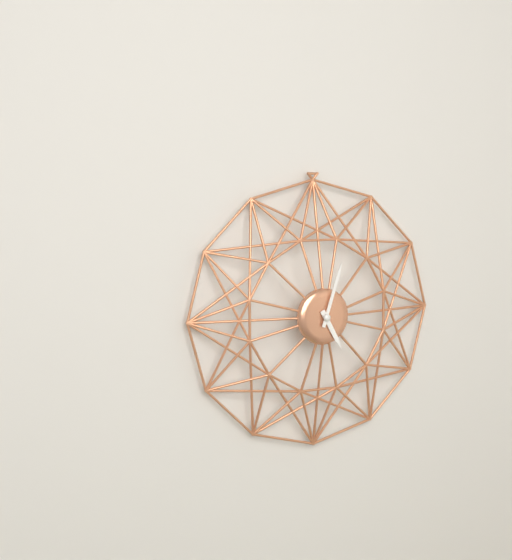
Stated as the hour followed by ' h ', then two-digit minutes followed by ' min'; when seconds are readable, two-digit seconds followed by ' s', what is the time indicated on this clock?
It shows 5 h 03 min
